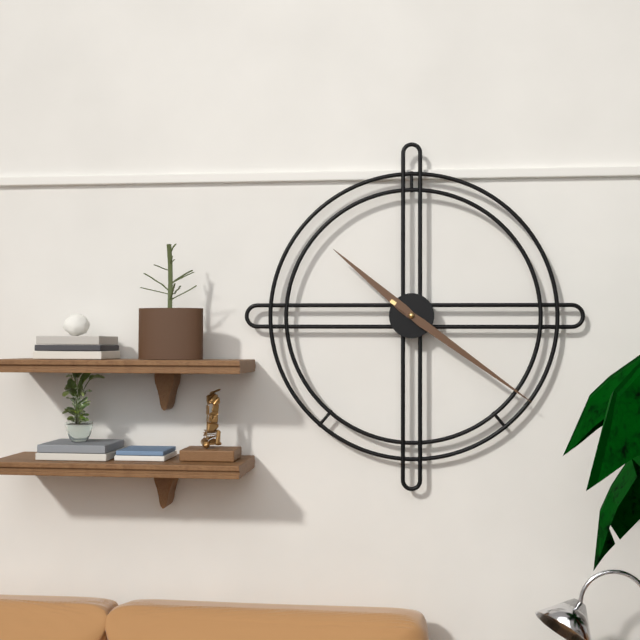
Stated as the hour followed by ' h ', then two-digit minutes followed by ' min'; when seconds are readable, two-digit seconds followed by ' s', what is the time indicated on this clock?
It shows 10 h 21 min
